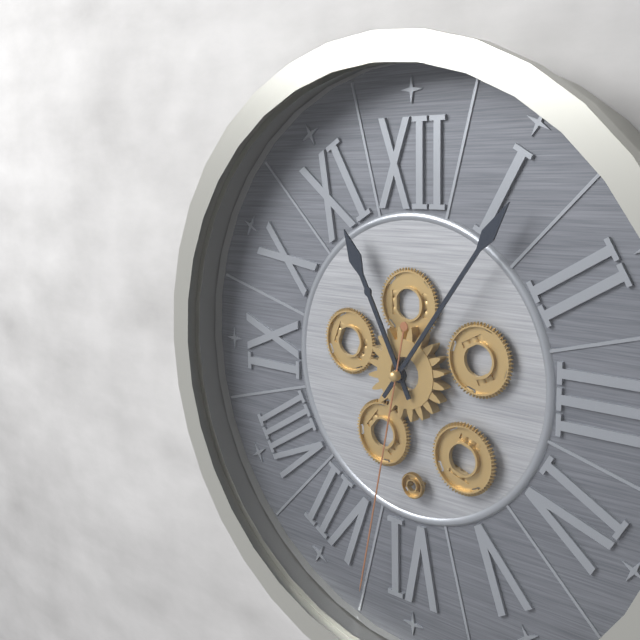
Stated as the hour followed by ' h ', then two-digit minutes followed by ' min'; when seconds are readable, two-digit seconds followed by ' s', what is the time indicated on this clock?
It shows 11 h 06 min 32 s
